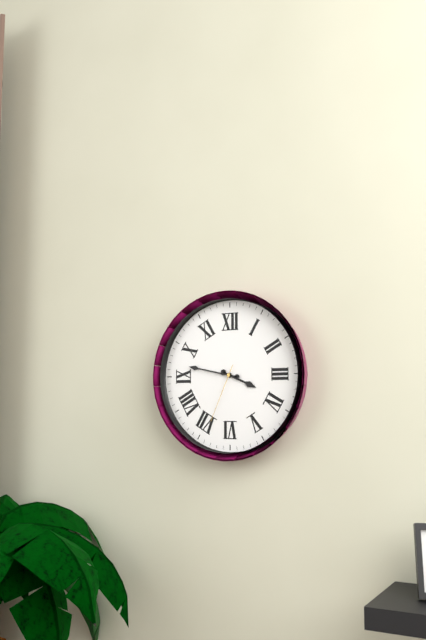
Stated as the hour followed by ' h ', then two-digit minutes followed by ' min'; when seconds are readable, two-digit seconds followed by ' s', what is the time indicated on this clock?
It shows 3 h 47 min 34 s
